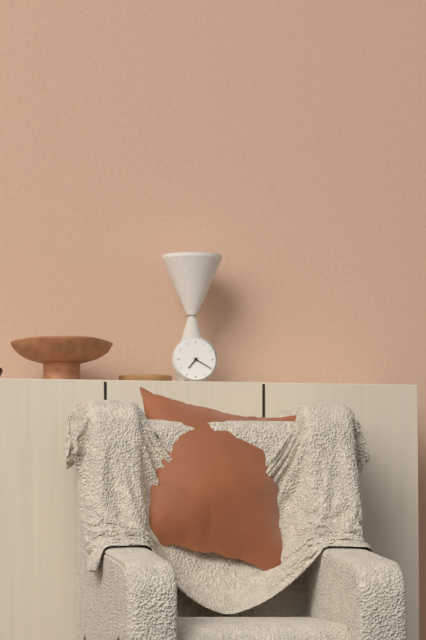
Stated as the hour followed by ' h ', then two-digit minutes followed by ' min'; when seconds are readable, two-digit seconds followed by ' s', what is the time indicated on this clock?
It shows 7 h 20 min
